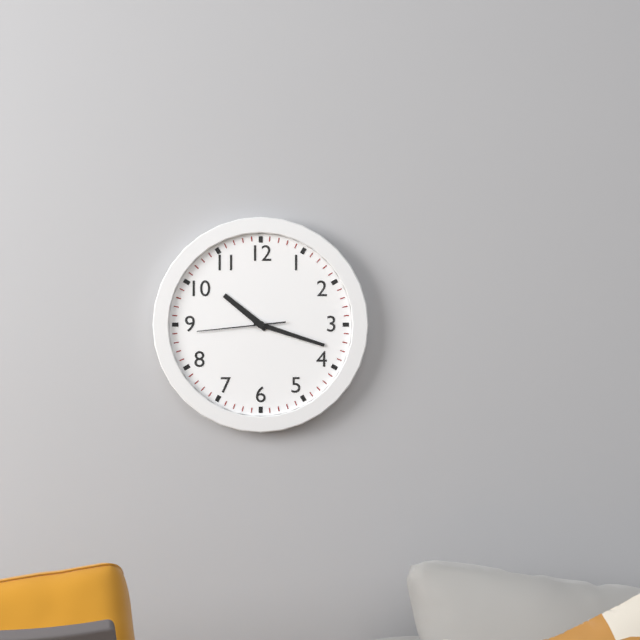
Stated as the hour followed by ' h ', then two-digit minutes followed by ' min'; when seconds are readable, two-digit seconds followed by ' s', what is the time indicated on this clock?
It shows 10 h 18 min 44 s
